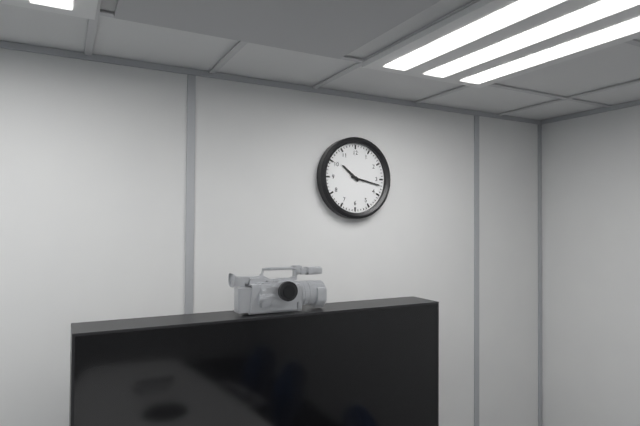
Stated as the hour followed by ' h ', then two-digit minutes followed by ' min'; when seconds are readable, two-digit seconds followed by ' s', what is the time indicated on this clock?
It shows 10 h 17 min
